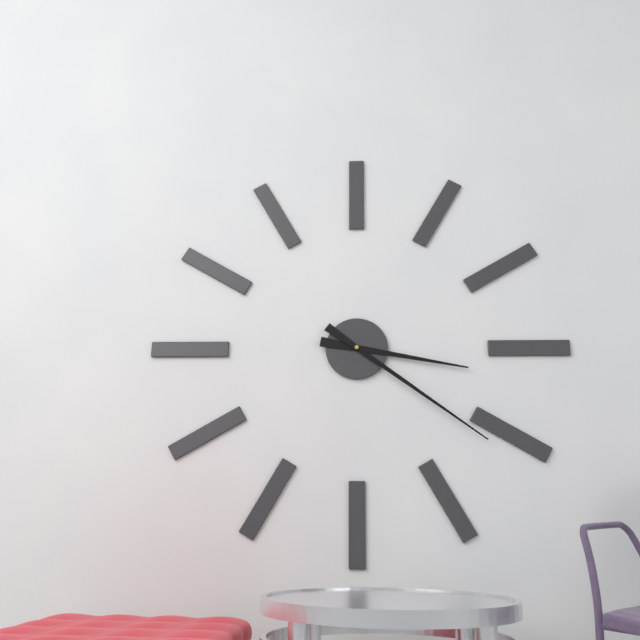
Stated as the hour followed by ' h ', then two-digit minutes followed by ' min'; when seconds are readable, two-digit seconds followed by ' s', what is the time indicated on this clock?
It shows 3 h 21 min
